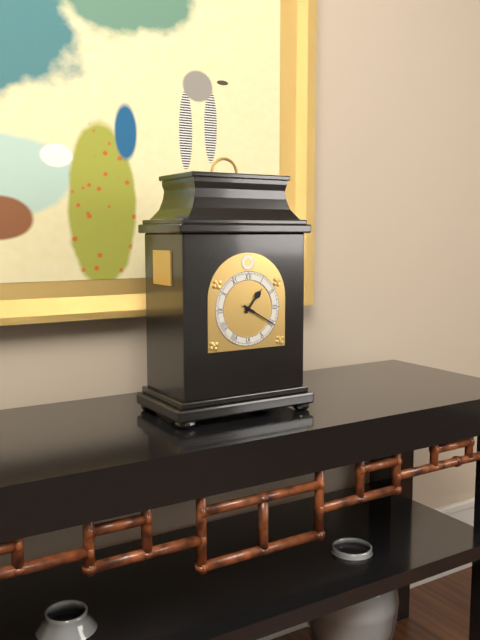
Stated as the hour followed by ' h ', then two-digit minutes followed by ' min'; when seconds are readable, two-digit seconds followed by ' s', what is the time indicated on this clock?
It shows 1 h 20 min
